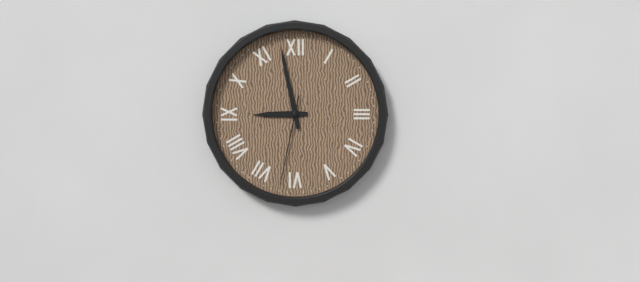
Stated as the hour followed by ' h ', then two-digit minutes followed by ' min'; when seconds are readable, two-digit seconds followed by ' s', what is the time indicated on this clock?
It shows 8 h 58 min 32 s
